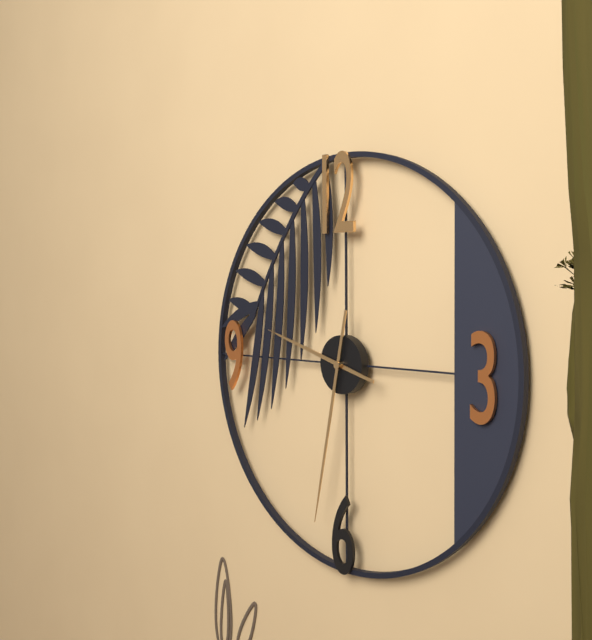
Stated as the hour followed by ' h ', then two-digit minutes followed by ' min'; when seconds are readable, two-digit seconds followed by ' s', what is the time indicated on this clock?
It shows 9 h 32 min
